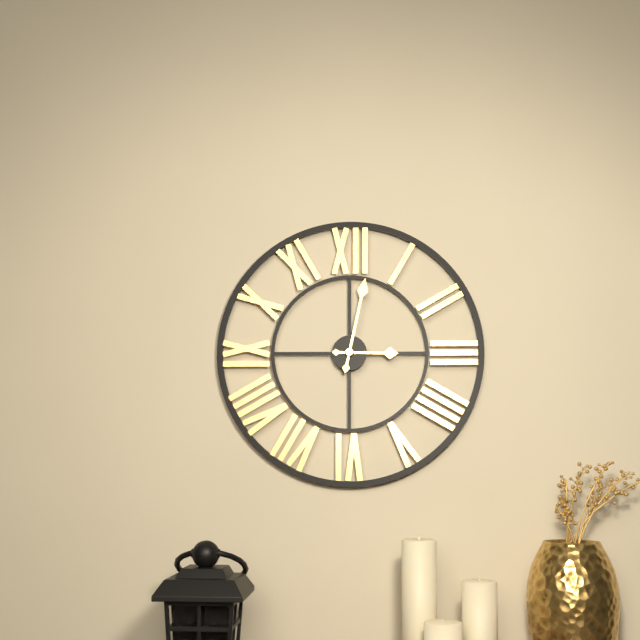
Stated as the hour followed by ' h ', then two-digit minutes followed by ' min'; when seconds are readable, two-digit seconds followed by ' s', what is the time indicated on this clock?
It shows 3 h 02 min
